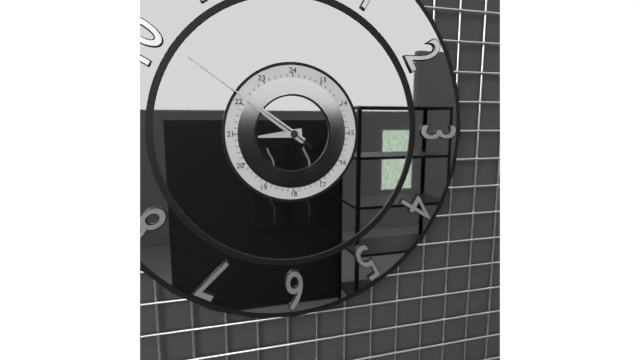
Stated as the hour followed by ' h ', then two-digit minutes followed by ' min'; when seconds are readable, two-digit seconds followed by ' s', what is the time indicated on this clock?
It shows 8 h 51 min 51 s
